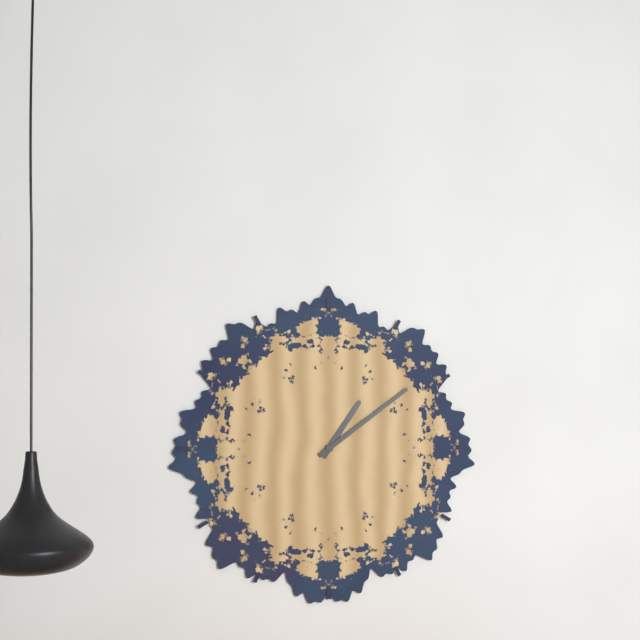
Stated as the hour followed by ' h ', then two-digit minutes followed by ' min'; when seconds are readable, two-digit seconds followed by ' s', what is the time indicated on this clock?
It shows 1 h 09 min
